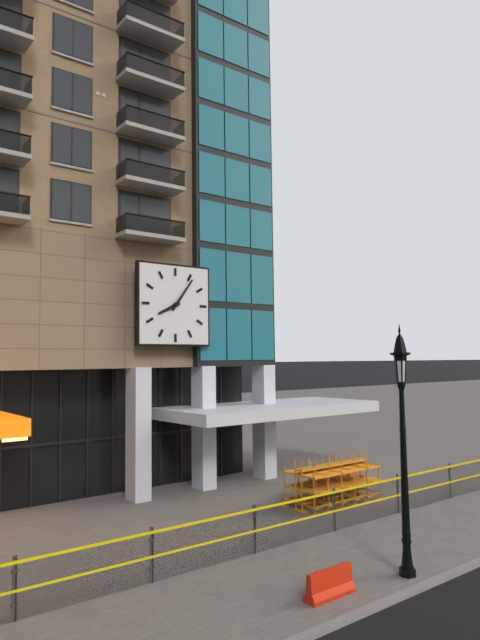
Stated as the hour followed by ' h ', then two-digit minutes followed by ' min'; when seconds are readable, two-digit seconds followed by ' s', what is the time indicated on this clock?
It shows 8 h 06 min
